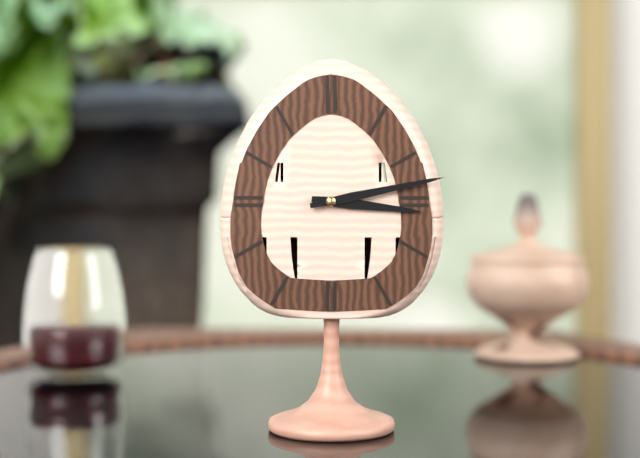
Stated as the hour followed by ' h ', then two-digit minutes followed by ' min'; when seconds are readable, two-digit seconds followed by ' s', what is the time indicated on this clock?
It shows 3 h 13 min
